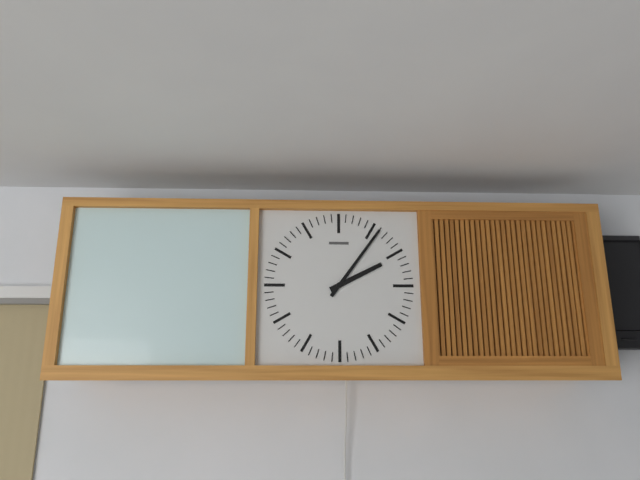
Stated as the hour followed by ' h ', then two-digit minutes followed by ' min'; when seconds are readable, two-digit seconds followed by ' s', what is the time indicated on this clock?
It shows 2 h 06 min
